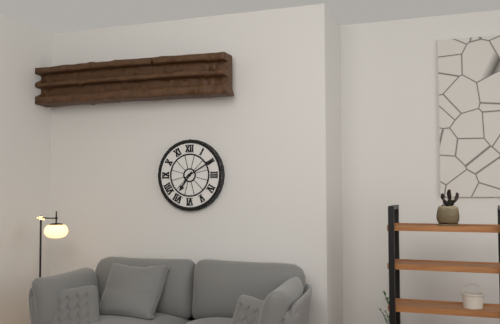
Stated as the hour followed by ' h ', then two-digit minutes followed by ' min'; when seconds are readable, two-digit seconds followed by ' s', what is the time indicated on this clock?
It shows 7 h 10 min
